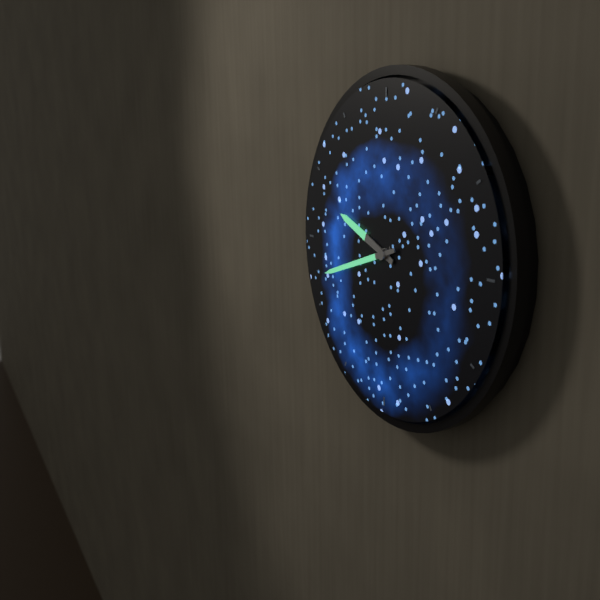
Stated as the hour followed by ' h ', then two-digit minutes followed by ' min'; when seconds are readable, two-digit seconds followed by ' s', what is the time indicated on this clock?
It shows 9 h 42 min
